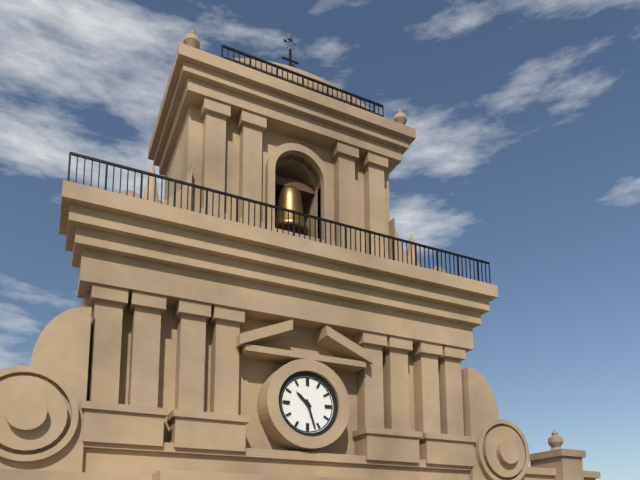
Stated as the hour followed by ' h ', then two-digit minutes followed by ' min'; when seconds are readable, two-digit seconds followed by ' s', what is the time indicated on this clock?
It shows 10 h 27 min
